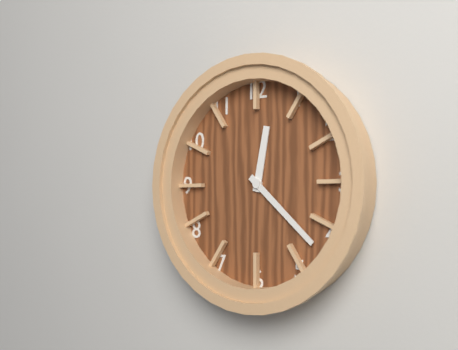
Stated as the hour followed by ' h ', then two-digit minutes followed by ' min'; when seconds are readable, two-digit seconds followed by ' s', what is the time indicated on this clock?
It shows 12 h 22 min
